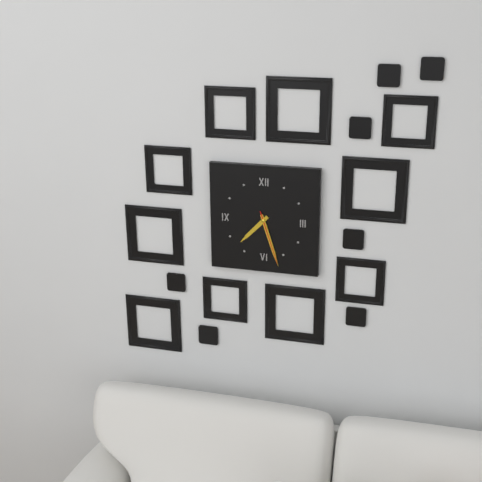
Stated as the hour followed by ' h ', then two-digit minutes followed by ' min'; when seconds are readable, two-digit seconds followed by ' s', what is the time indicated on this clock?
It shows 7 h 27 min 27 s
